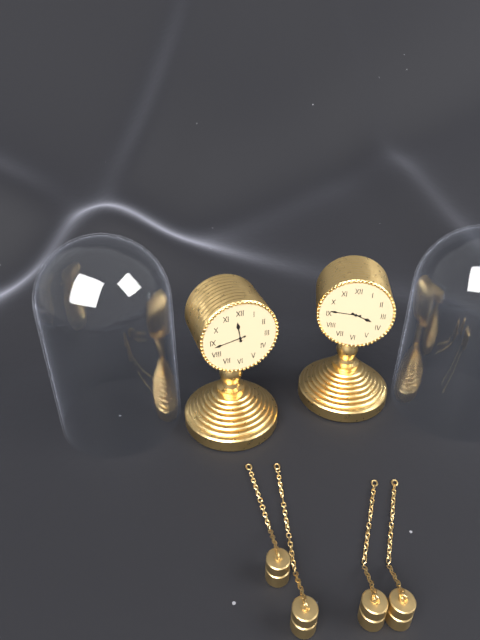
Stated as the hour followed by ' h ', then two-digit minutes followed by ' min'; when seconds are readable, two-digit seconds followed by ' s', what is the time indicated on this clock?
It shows 11 h 43 min
